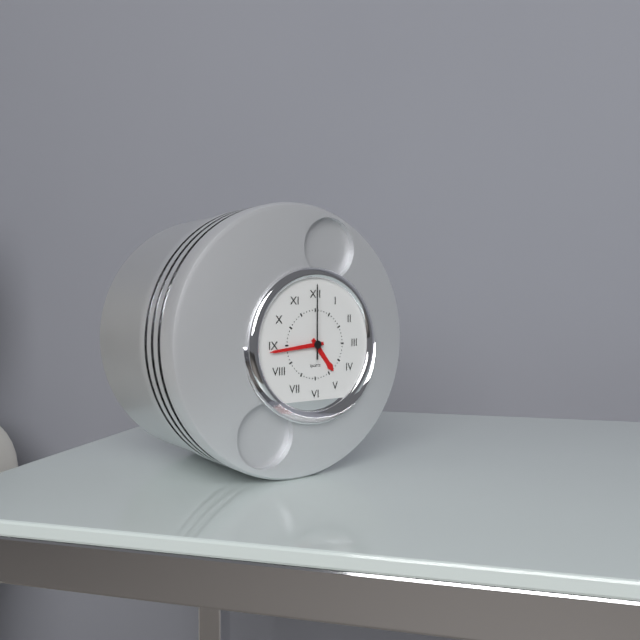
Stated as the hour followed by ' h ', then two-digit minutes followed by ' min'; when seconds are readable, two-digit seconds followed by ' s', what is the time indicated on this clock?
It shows 4 h 44 min 00 s
